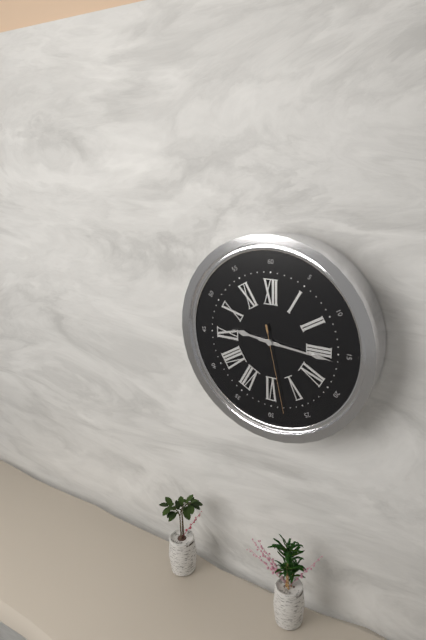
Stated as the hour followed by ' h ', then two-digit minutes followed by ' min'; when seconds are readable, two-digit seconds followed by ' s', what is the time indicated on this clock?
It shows 9 h 16 min 28 s
